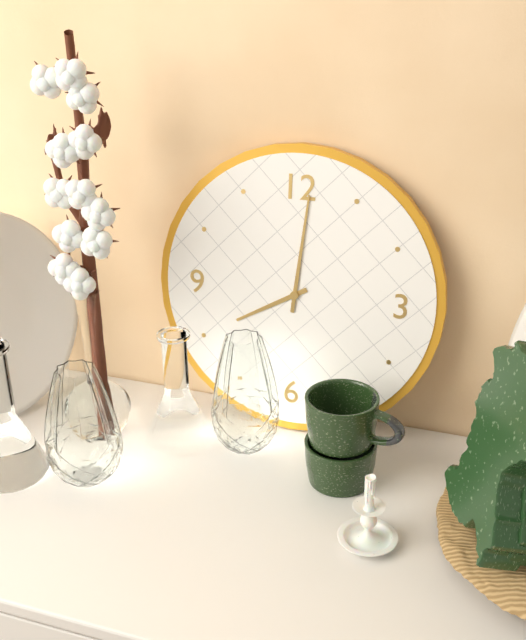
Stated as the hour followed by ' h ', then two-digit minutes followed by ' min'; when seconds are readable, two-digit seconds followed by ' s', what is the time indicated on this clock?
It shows 8 h 01 min
